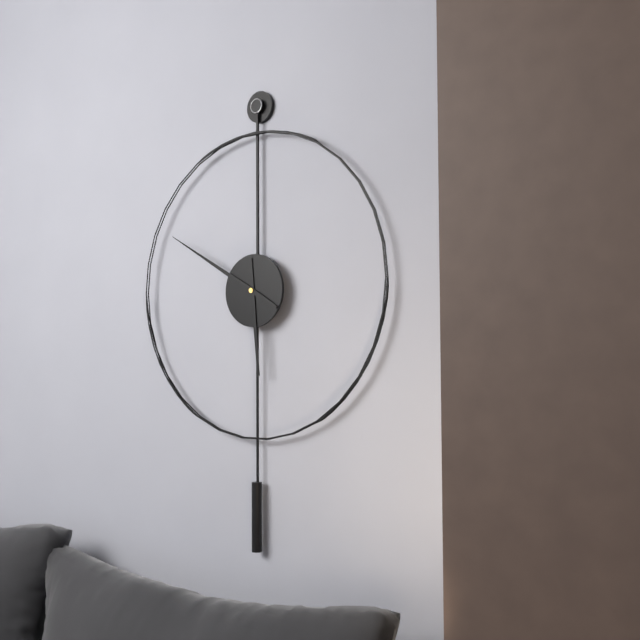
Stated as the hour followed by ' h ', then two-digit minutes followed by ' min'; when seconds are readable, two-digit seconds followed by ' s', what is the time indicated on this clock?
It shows 5 h 50 min
